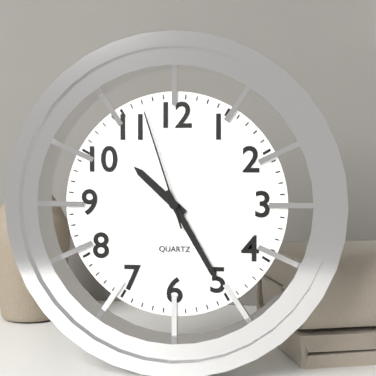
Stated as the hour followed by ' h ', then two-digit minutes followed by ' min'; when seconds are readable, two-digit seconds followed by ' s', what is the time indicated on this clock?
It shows 10 h 25 min 57 s
